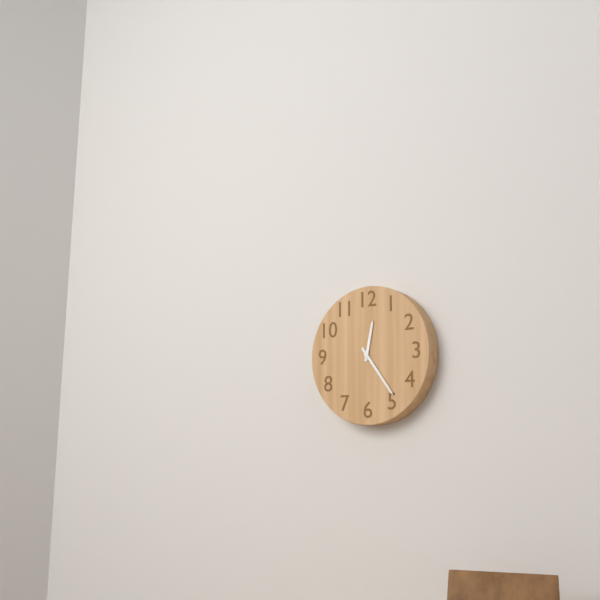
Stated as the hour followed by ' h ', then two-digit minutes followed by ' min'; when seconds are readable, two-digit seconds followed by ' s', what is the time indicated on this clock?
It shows 12 h 24 min
